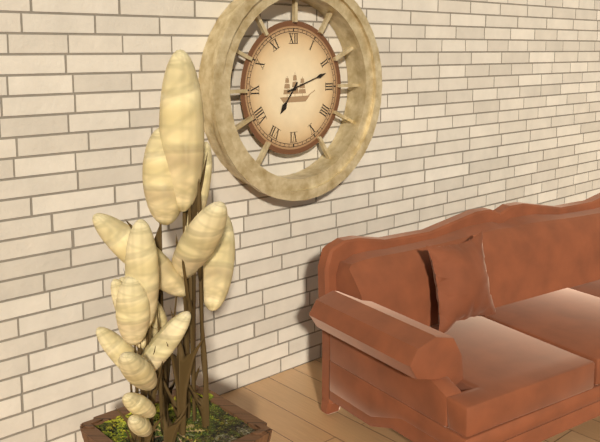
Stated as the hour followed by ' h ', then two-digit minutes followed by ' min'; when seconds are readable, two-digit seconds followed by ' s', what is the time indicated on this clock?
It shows 7 h 12 min
